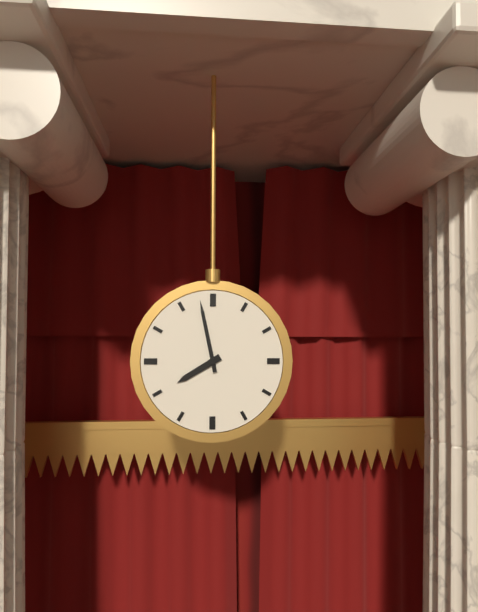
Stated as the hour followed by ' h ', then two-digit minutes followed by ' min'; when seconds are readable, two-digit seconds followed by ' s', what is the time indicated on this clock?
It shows 7 h 58 min
